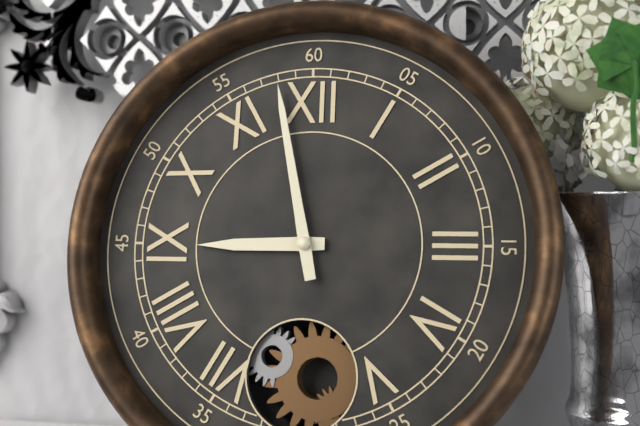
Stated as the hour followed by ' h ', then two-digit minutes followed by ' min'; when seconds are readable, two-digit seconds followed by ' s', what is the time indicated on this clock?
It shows 8 h 58 min
